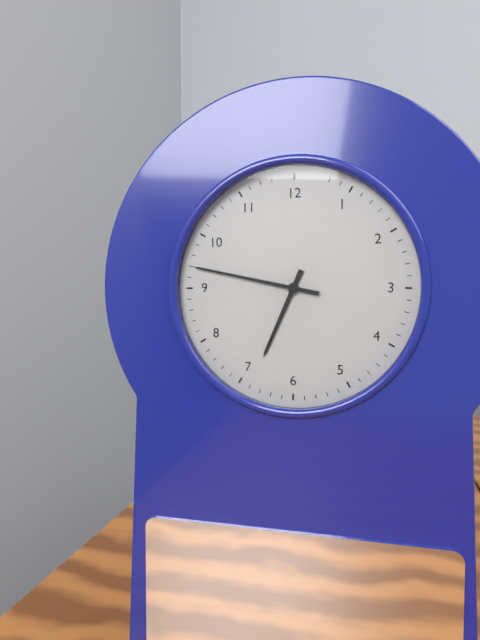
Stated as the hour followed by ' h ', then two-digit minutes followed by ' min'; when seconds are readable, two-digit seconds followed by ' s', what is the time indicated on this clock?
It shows 6 h 47 min
